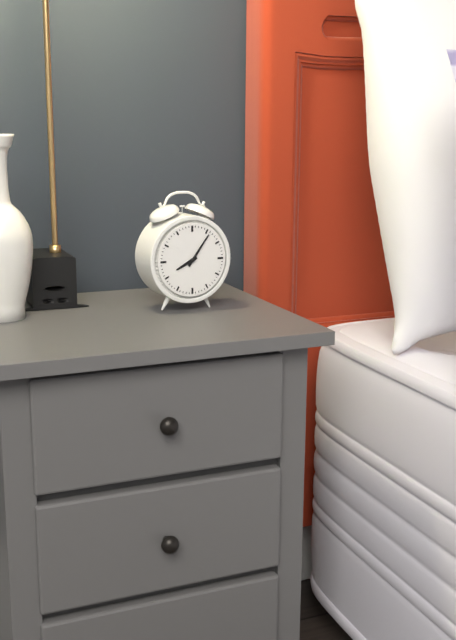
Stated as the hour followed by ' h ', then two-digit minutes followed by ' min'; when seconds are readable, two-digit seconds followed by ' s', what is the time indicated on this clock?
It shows 8 h 06 min
